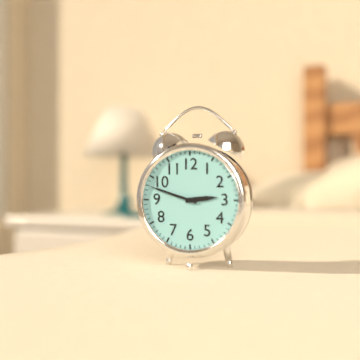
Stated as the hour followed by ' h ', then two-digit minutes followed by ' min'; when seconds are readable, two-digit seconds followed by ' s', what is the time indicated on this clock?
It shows 2 h 48 min
